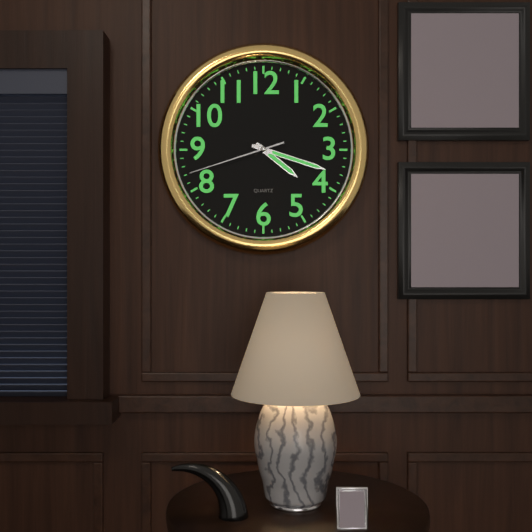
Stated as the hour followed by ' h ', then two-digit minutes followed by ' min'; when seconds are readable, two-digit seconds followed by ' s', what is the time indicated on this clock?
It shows 4 h 18 min 42 s
